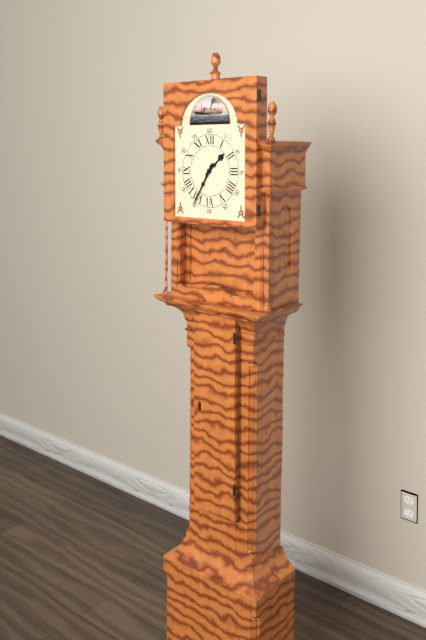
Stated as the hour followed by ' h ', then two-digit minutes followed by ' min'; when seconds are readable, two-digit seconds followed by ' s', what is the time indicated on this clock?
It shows 1 h 35 min
